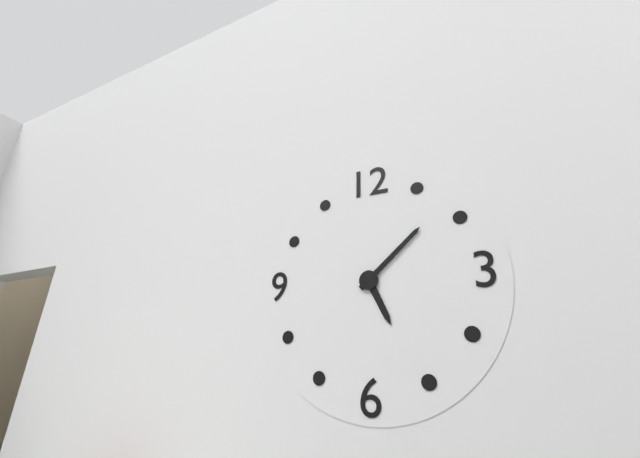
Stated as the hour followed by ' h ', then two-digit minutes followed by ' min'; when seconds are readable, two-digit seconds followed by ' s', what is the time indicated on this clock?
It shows 5 h 08 min
